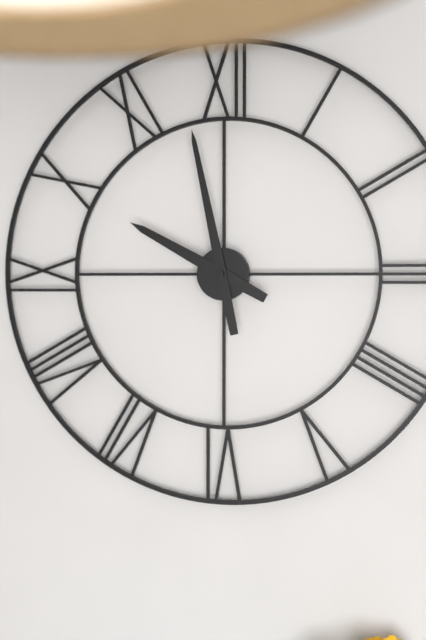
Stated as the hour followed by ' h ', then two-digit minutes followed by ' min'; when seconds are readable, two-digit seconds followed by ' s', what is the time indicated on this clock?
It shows 9 h 58 min
